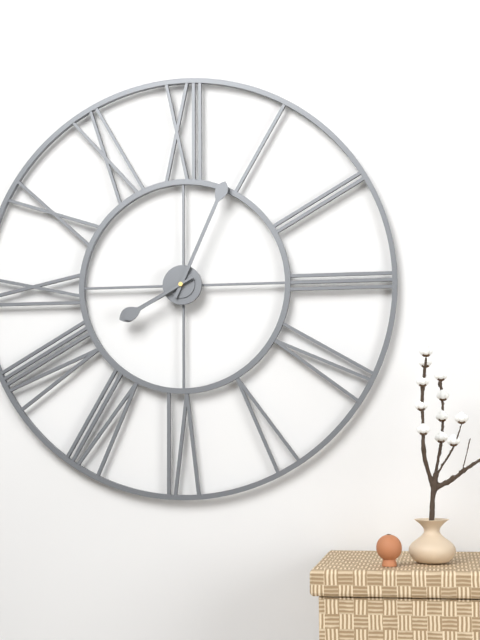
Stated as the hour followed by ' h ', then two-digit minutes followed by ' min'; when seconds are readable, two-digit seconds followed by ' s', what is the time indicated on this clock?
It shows 8 h 04 min 40 s
